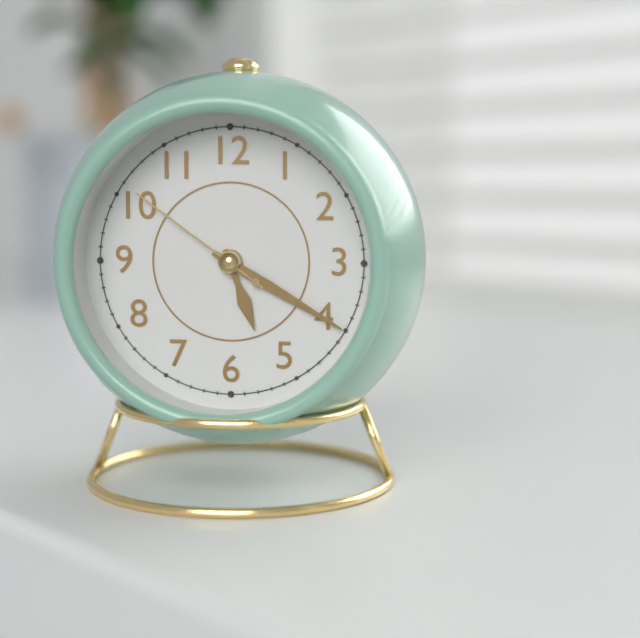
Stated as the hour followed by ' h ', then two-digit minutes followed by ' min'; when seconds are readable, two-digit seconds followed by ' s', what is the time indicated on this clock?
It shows 5 h 20 min 51 s
